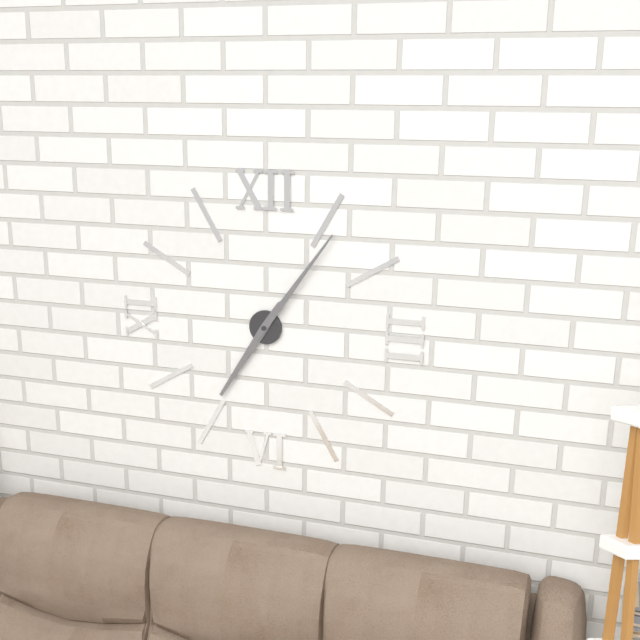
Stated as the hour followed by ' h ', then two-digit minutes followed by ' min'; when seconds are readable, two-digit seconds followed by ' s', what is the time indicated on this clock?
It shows 7 h 06 min
